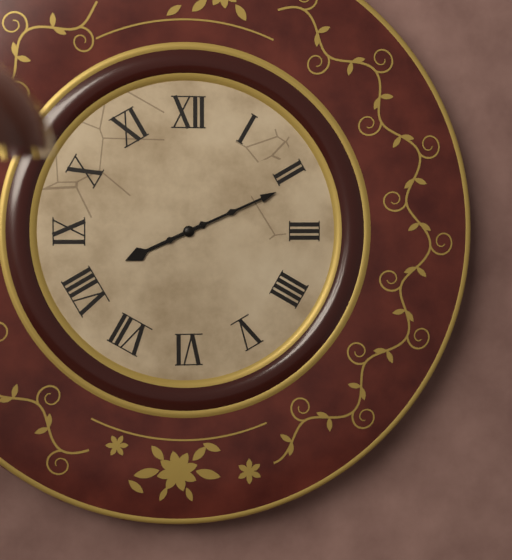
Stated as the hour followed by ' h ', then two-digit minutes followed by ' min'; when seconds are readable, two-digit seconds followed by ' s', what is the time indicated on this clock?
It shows 8 h 11 min
